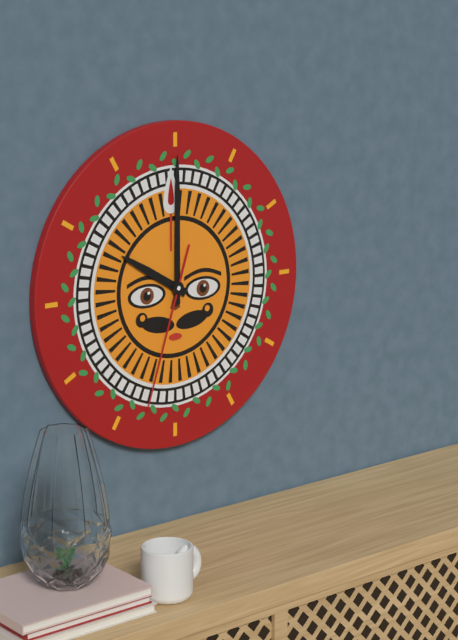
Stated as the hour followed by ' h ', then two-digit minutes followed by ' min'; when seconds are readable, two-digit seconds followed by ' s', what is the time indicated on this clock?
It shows 10 h 00 min 33 s
